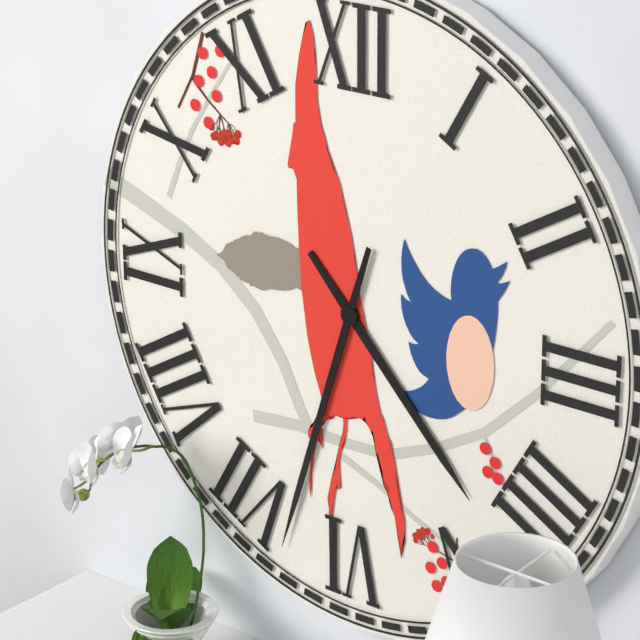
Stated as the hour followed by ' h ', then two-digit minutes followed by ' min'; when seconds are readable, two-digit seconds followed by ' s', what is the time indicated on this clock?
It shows 4 h 33 min
